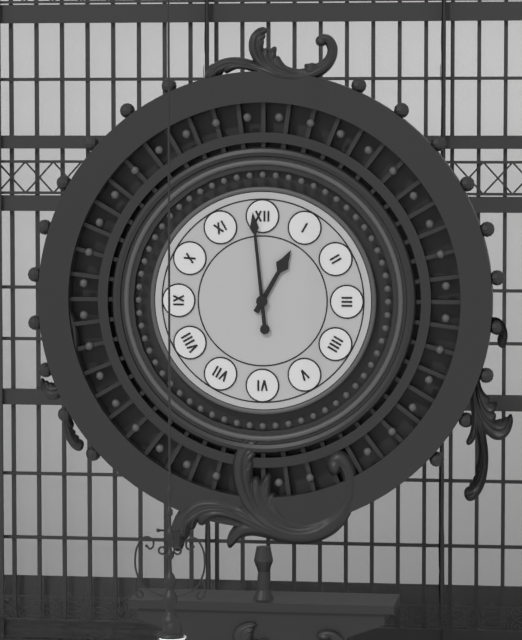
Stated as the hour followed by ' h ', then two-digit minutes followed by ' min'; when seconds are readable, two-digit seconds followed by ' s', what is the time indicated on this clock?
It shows 12 h 59 min
